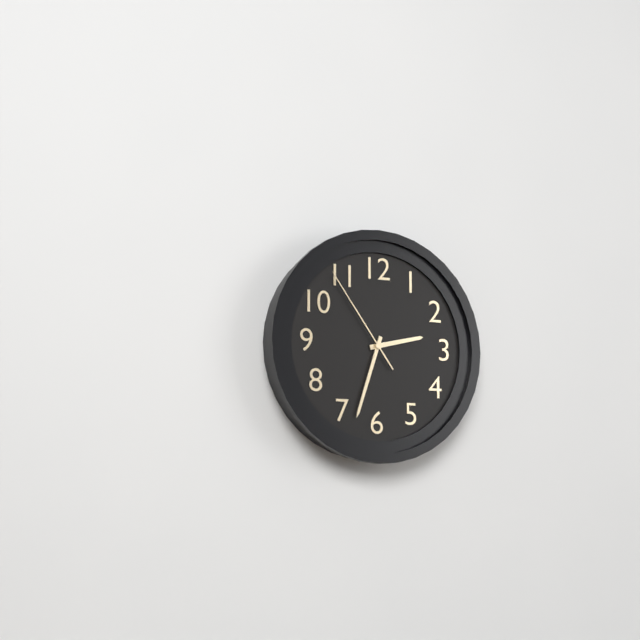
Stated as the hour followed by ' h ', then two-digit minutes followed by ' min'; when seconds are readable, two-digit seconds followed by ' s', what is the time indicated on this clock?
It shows 2 h 33 min 54 s
